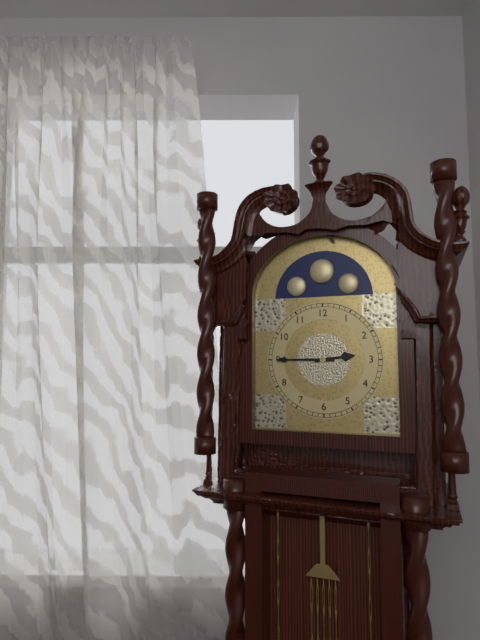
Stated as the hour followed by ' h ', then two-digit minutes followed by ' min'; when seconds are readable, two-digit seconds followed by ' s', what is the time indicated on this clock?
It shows 2 h 45 min
